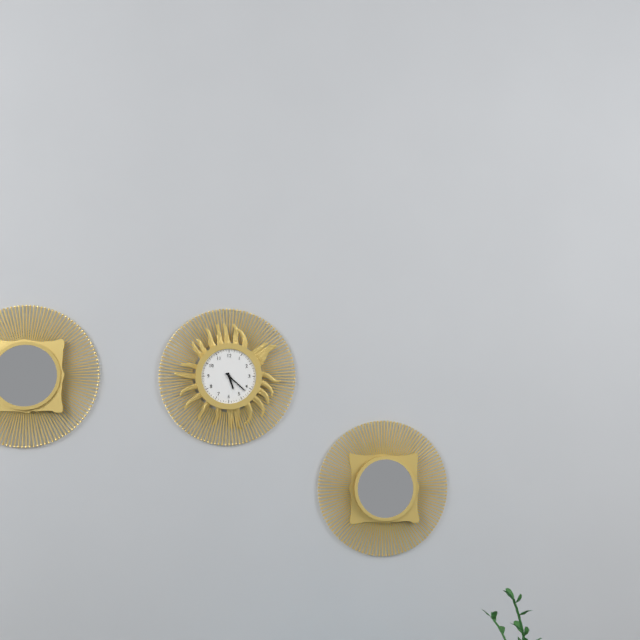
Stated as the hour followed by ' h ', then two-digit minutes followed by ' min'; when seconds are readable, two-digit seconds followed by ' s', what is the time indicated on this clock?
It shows 5 h 22 min
